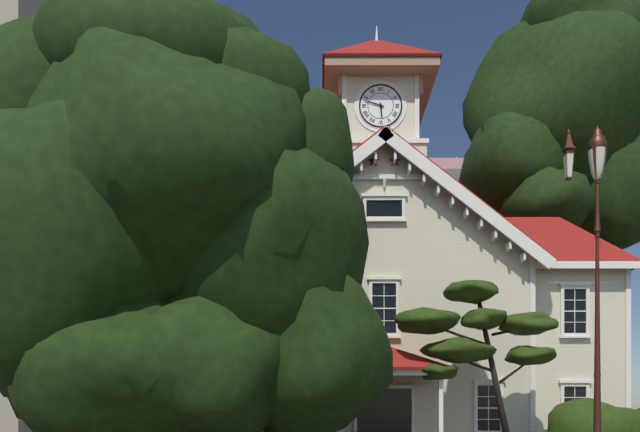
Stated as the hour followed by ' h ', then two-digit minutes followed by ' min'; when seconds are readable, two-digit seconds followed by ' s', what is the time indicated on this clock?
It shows 5 h 48 min
